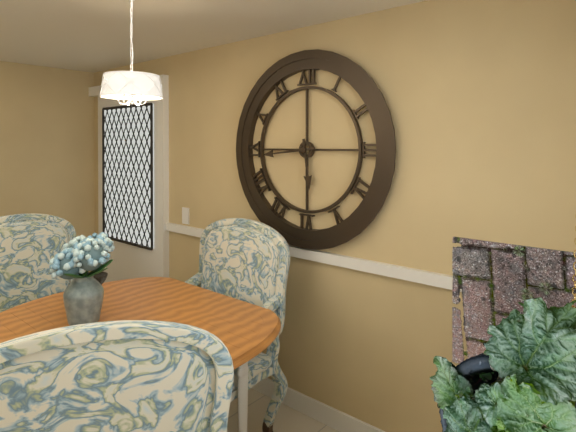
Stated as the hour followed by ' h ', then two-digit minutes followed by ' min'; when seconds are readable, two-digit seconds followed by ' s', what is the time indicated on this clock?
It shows 5 h 44 min
